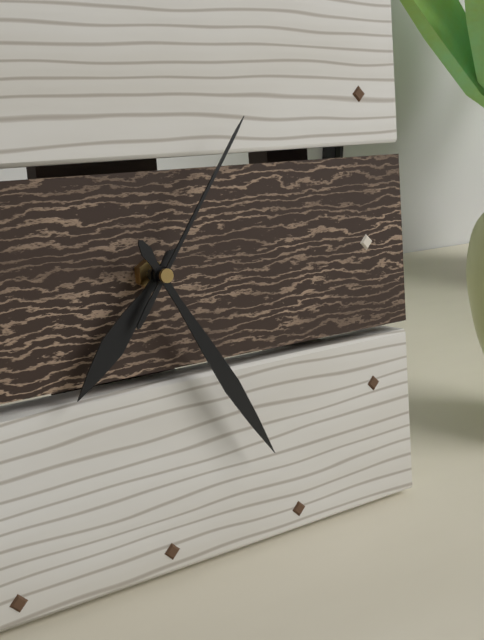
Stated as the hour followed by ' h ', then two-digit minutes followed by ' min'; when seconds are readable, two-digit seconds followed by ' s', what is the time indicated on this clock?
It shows 7 h 25 min 06 s
